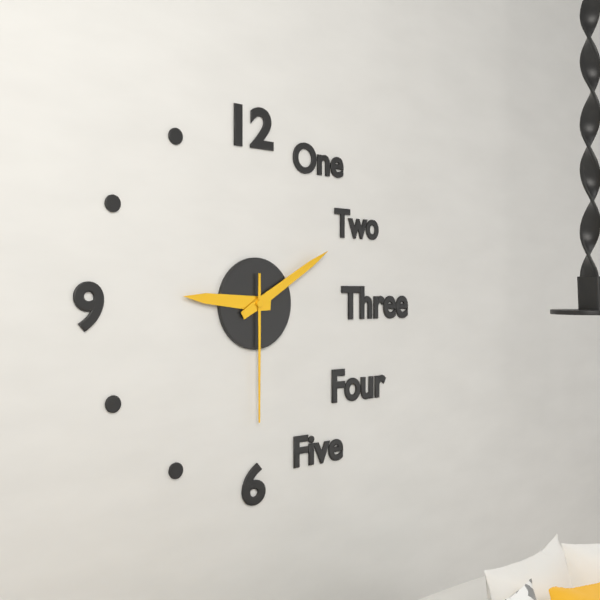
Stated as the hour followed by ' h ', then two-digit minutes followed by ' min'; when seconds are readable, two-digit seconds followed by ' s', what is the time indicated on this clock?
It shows 9 h 10 min 30 s
